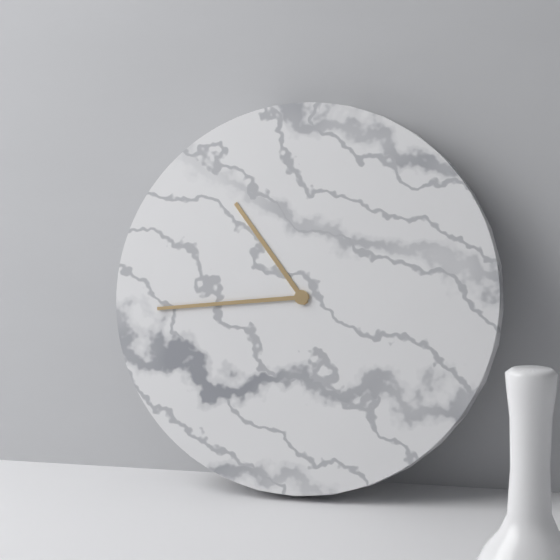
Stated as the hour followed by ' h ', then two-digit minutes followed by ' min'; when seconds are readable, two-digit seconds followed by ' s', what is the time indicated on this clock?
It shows 10 h 44 min
